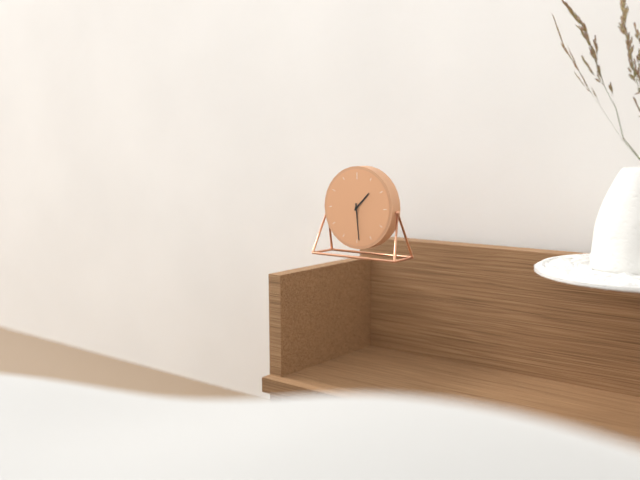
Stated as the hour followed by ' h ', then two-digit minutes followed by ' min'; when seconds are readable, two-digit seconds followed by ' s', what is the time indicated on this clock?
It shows 1 h 29 min
